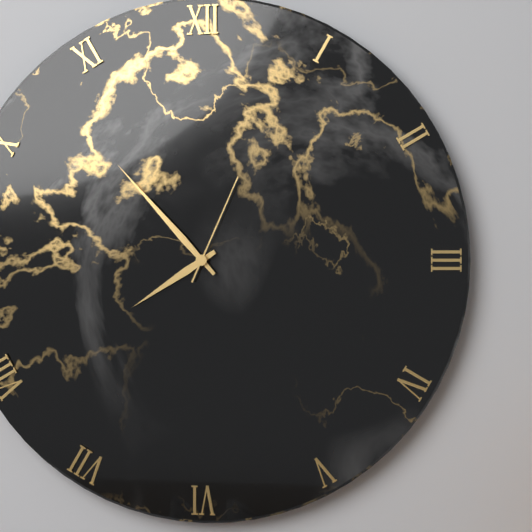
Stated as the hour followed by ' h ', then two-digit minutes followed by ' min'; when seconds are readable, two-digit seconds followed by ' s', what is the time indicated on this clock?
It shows 7 h 53 min 04 s
